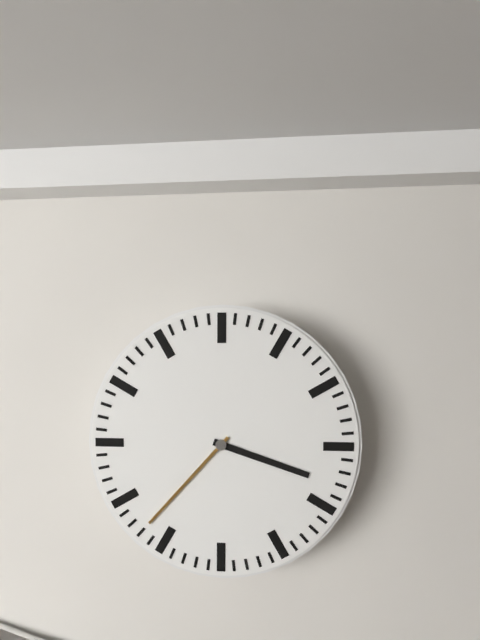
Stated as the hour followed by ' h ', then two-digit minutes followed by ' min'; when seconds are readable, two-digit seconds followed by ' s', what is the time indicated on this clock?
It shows 3 h 37 min
